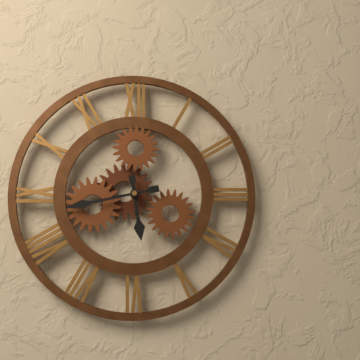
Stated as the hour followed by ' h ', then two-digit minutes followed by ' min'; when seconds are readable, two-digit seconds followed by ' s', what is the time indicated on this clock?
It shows 5 h 43 min
